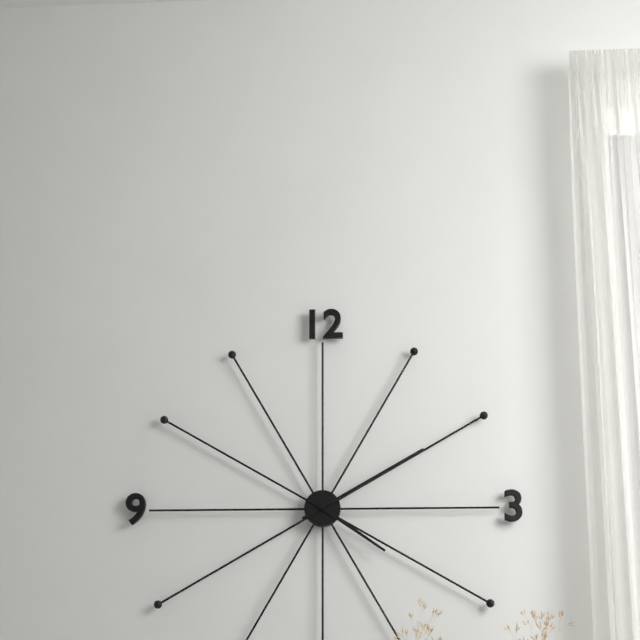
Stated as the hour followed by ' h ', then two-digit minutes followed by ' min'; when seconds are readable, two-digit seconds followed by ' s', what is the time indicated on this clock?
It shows 4 h 10 min
